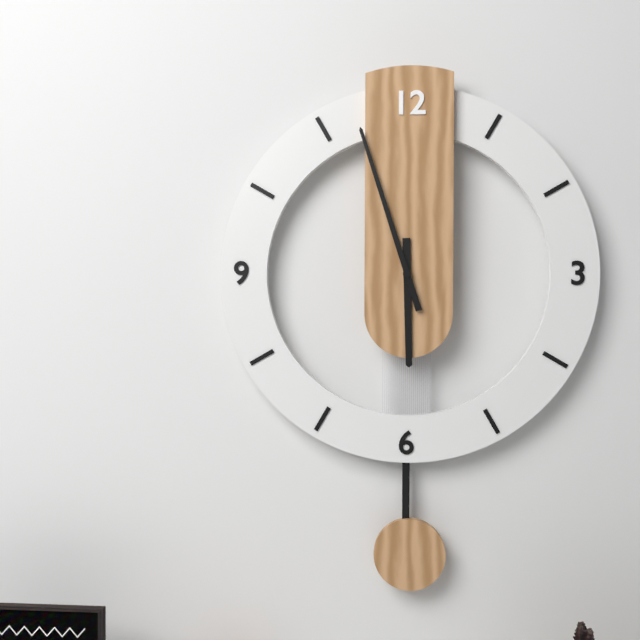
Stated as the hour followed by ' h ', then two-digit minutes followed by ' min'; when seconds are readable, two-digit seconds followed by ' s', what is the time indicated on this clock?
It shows 5 h 57 min
